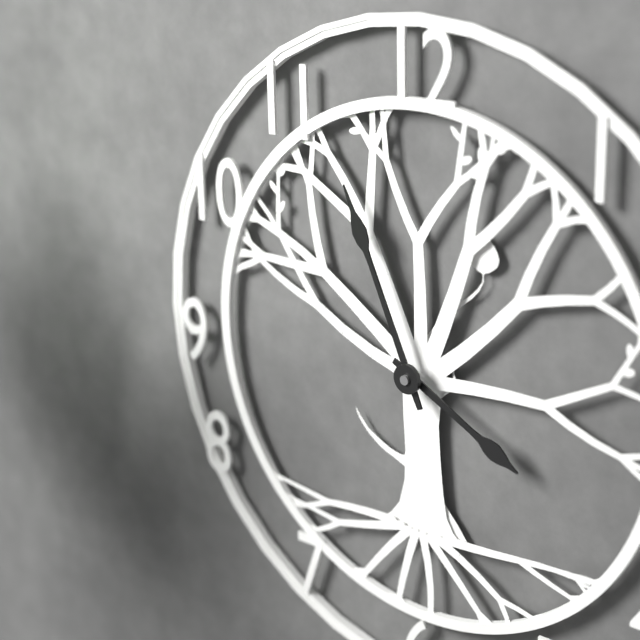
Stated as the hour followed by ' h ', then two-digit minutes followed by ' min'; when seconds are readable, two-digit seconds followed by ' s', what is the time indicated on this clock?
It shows 3 h 56 min
